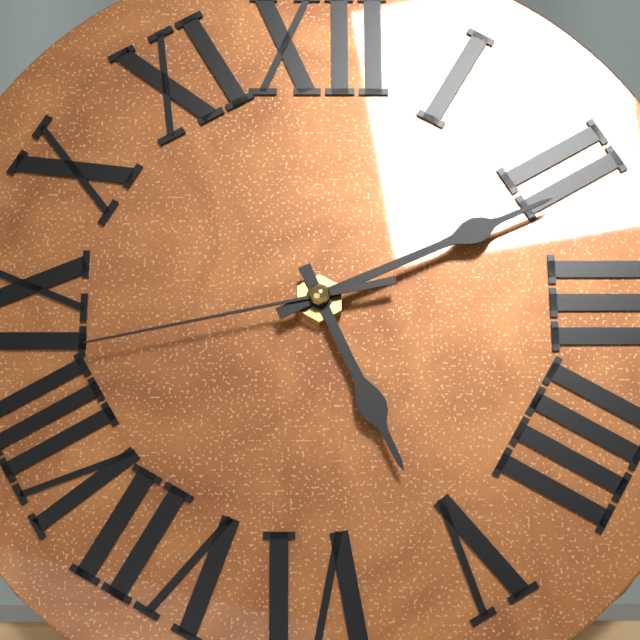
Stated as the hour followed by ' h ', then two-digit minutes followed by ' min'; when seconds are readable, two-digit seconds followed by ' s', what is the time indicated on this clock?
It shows 5 h 11 min 43 s
